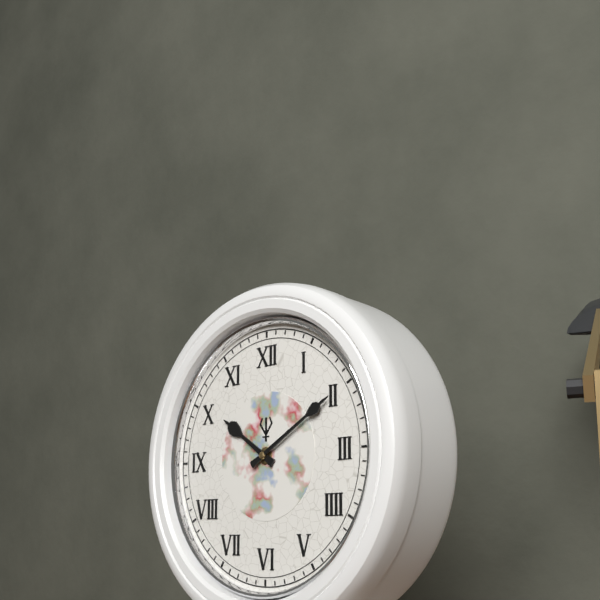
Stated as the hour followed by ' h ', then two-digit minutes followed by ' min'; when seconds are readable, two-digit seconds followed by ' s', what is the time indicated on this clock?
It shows 10 h 10 min
